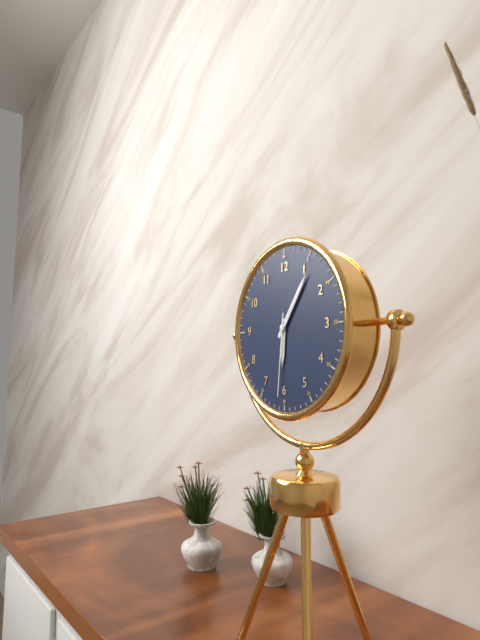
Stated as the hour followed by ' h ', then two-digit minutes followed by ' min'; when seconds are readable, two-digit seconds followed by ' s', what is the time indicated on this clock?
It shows 6 h 06 min 31 s
